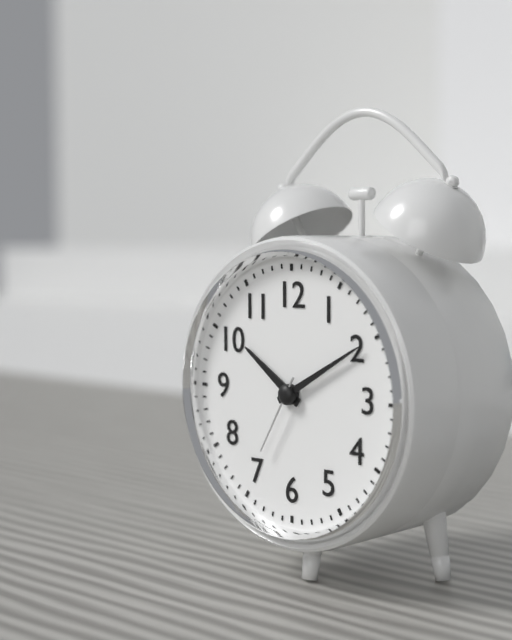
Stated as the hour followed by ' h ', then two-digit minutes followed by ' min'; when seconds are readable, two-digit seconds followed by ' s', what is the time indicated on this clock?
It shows 10 h 10 min 35 s
